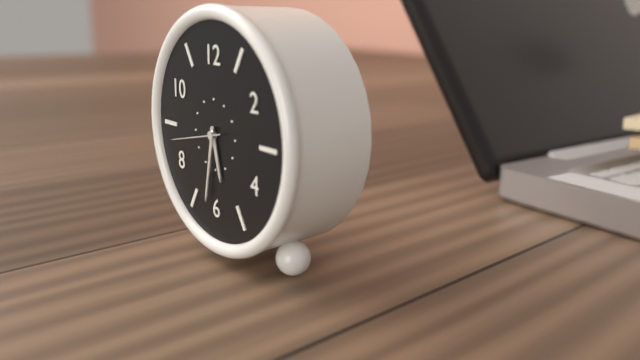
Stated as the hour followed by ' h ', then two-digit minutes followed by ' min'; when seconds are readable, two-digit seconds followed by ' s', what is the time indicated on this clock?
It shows 5 h 32 min 43 s
